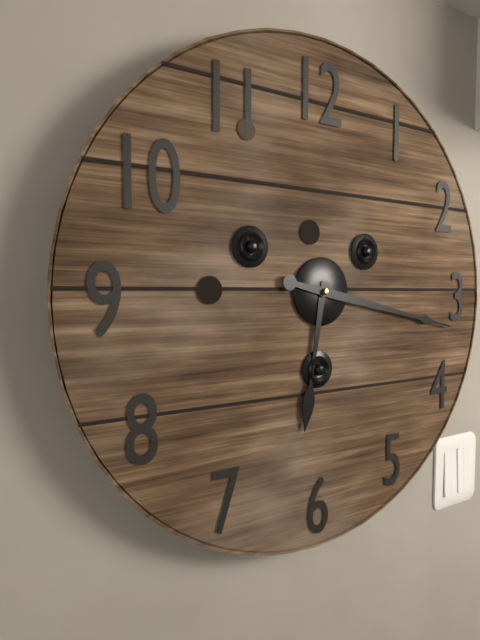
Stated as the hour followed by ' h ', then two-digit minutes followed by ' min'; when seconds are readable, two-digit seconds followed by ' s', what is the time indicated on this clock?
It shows 6 h 17 min
